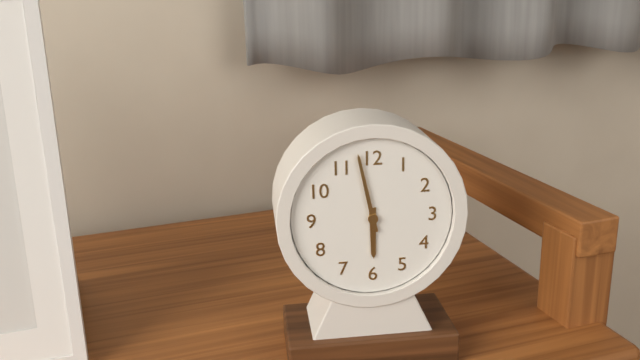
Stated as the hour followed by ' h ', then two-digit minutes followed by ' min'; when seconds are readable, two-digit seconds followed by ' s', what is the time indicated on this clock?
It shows 5 h 58 min
